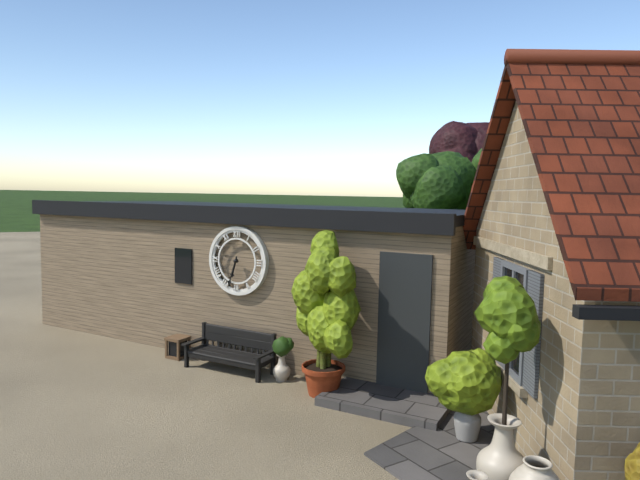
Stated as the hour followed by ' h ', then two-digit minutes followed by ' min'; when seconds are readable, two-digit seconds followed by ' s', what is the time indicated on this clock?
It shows 6 h 33 min
